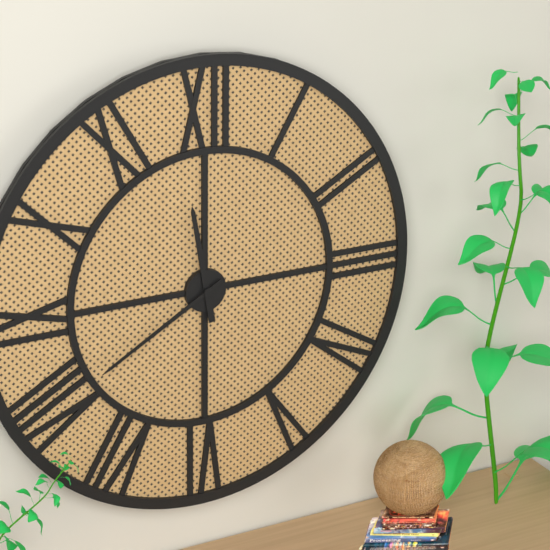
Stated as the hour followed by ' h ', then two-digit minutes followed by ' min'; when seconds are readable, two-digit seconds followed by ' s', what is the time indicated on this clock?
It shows 11 h 40 min
